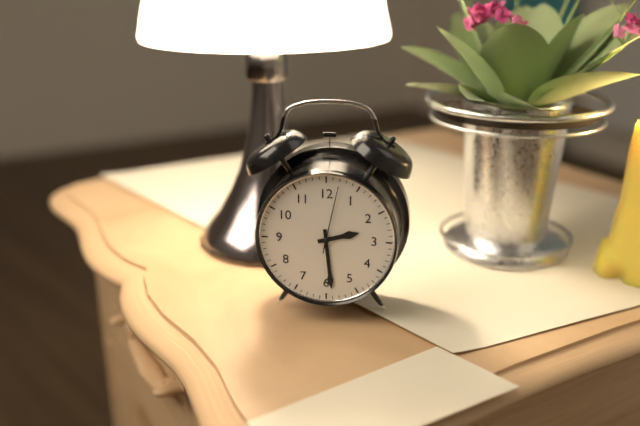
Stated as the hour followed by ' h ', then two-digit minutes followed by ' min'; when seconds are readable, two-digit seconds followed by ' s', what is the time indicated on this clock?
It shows 2 h 29 min 02 s
